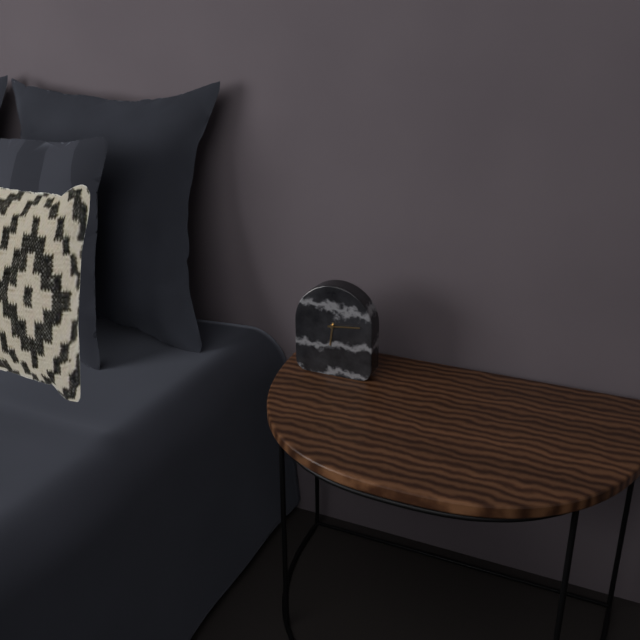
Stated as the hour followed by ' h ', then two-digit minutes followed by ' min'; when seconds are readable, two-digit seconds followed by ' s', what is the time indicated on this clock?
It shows 6 h 14 min
